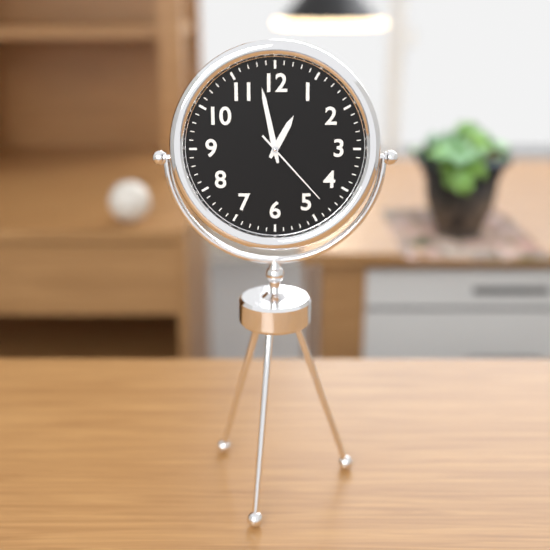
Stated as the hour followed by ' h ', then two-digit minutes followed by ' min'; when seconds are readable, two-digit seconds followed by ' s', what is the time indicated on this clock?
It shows 12 h 58 min 23 s
